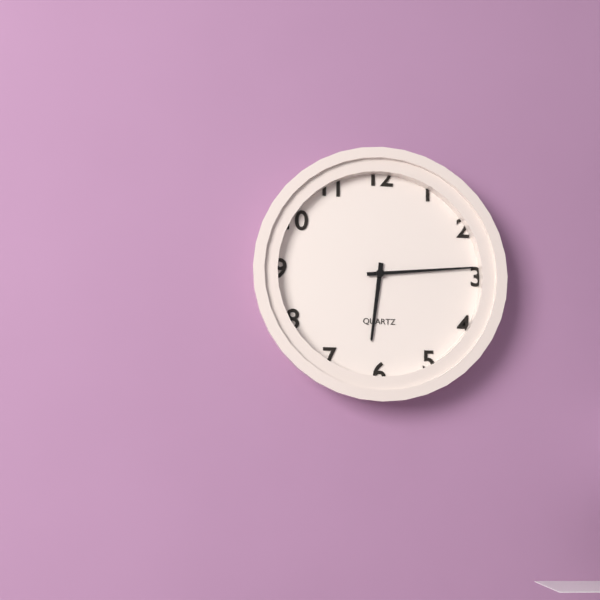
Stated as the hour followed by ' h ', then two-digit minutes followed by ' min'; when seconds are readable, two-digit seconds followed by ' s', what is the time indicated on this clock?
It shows 6 h 14 min
